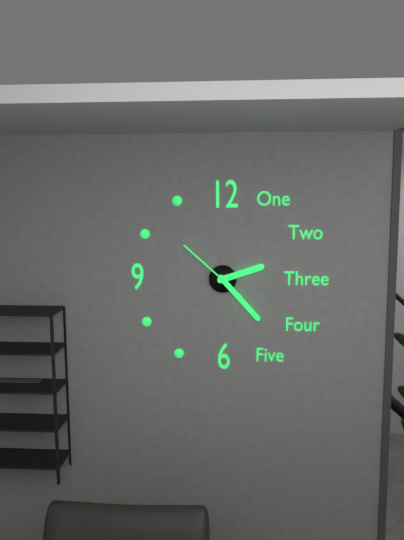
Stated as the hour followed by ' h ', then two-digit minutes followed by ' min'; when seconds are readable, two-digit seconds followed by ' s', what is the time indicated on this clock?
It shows 2 h 23 min 52 s
